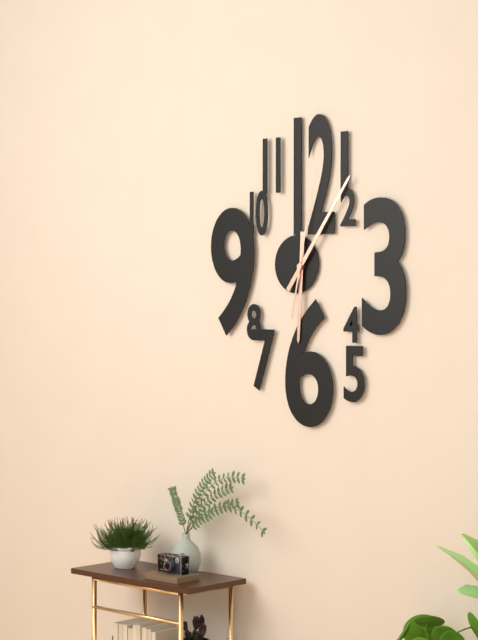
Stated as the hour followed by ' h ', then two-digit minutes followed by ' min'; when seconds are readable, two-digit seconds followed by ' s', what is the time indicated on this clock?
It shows 6 h 06 min 02 s
